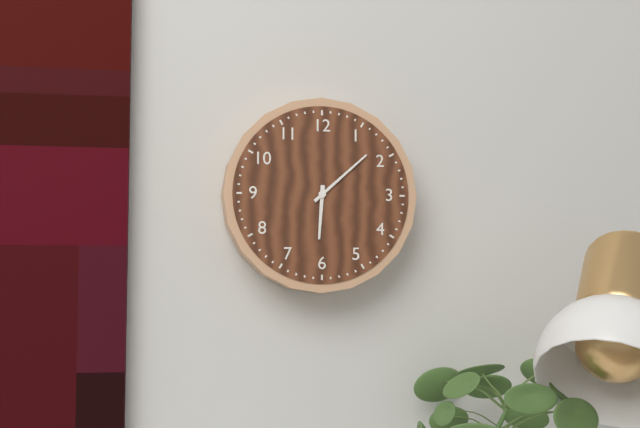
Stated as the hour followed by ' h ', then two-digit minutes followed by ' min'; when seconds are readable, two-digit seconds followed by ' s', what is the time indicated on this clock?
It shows 6 h 08 min
